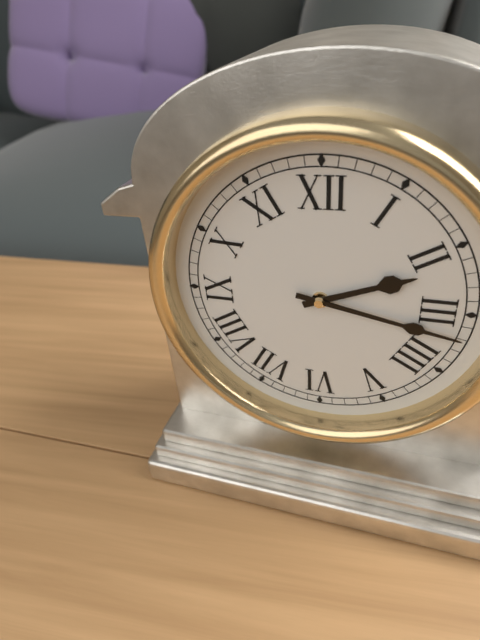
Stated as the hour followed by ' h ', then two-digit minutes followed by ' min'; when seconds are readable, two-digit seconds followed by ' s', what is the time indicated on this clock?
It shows 2 h 17 min
